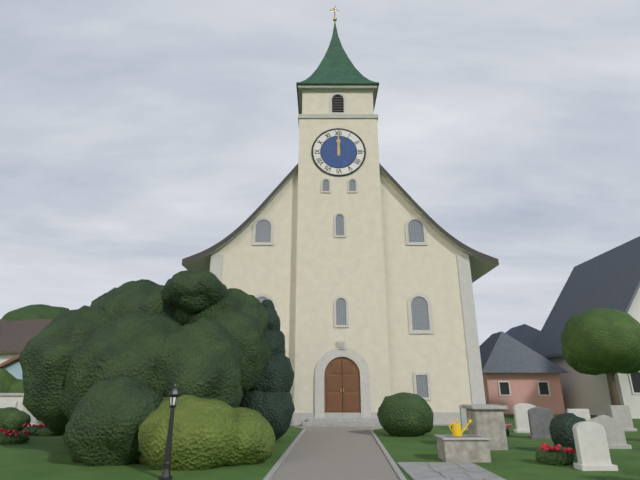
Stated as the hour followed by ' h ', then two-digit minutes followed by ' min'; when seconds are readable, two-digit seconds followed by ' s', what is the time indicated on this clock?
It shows 12 h 00 min
